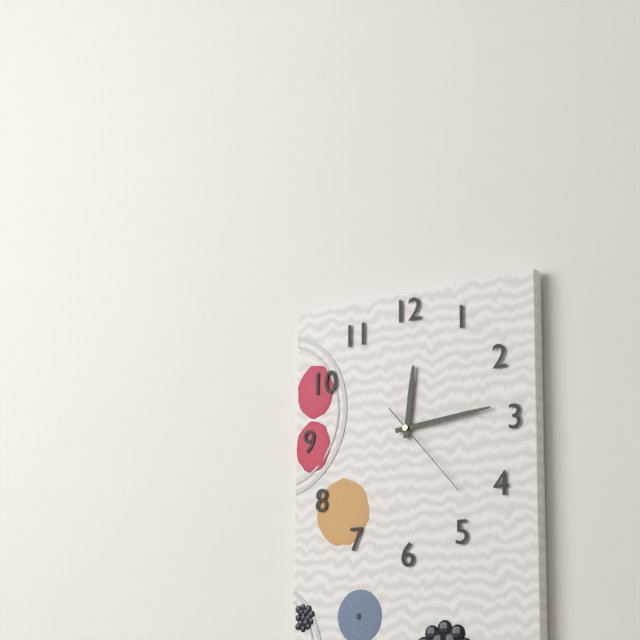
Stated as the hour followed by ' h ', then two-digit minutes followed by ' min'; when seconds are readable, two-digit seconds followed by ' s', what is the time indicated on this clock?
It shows 12 h 14 min 23 s
